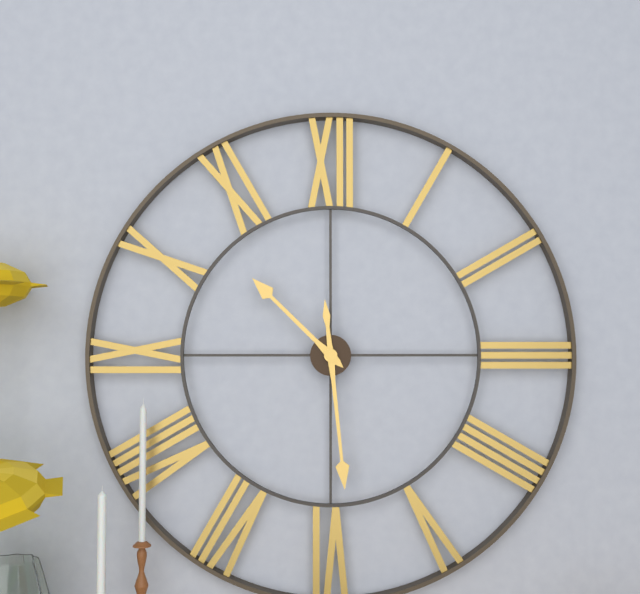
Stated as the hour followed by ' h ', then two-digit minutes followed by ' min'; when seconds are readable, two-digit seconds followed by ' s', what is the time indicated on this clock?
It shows 10 h 29 min
